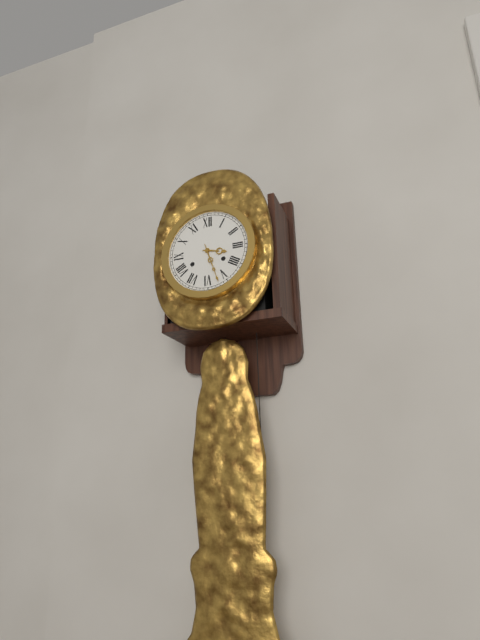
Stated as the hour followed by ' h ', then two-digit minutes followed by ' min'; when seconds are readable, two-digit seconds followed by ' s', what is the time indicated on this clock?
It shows 3 h 27 min
